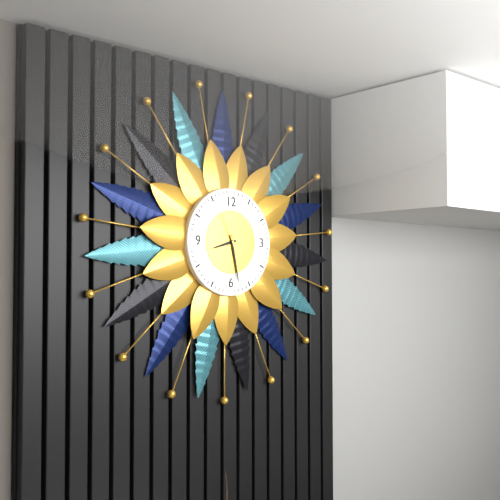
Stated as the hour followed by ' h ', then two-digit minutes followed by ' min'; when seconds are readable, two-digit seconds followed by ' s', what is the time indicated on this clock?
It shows 8 h 28 min 56 s
